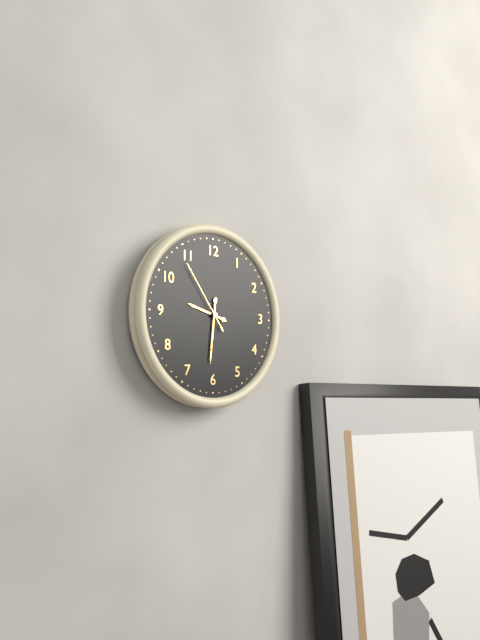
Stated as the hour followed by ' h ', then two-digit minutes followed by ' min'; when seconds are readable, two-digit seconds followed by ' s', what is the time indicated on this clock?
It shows 9 h 31 min 54 s
